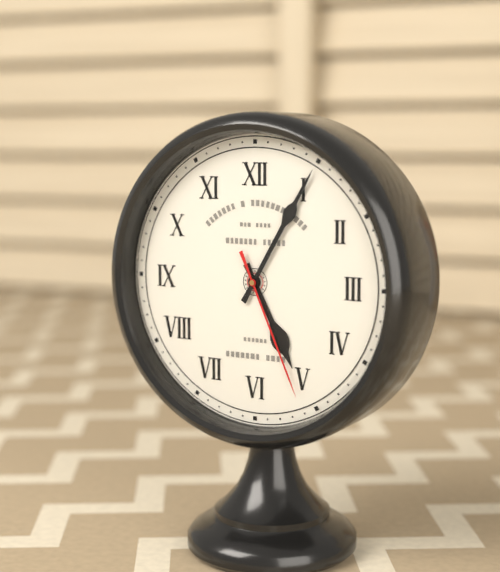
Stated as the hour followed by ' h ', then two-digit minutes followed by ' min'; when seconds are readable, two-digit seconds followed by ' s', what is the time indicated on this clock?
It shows 5 h 05 min 26 s
